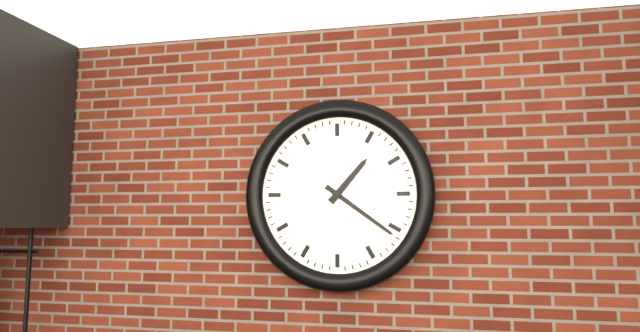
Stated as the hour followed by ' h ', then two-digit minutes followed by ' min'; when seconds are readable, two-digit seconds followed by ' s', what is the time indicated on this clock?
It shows 1 h 21 min
